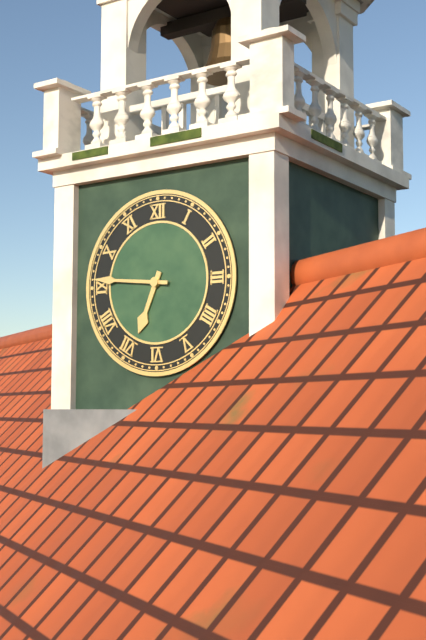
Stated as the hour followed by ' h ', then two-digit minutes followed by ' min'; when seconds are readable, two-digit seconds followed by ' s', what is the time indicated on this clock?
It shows 6 h 46 min
